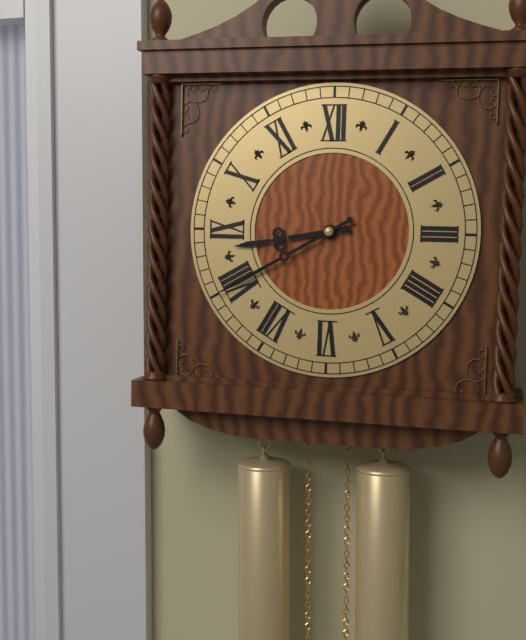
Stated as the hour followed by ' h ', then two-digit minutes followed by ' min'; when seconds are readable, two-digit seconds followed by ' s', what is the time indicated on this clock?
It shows 8 h 40 min
